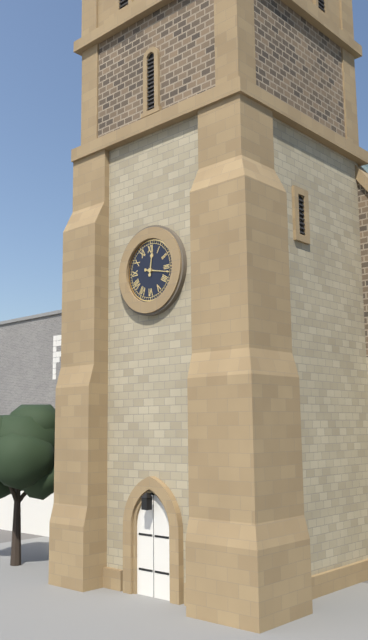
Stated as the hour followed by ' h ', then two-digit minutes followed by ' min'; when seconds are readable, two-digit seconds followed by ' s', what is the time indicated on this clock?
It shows 12 h 17 min
